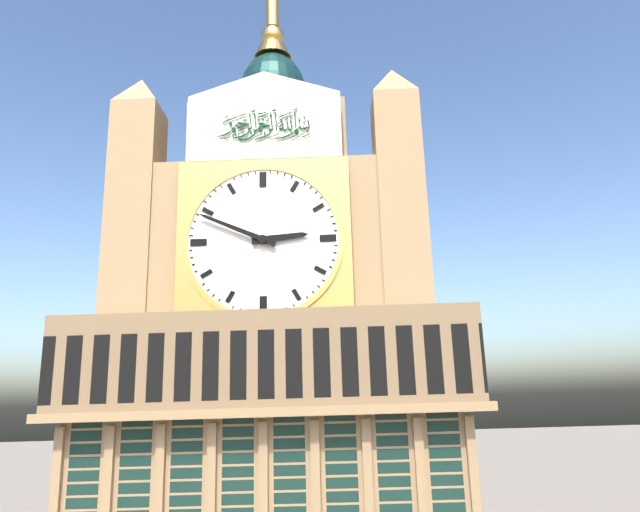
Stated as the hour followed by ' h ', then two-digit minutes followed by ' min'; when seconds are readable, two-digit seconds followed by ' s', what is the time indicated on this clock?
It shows 2 h 49 min
